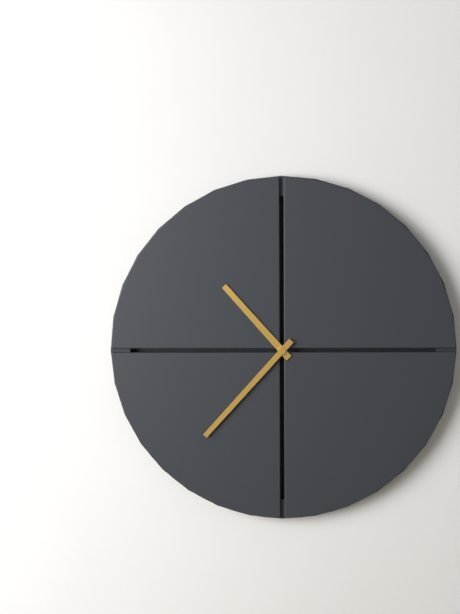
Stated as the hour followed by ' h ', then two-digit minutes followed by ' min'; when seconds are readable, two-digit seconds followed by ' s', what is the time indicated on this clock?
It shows 10 h 37 min
